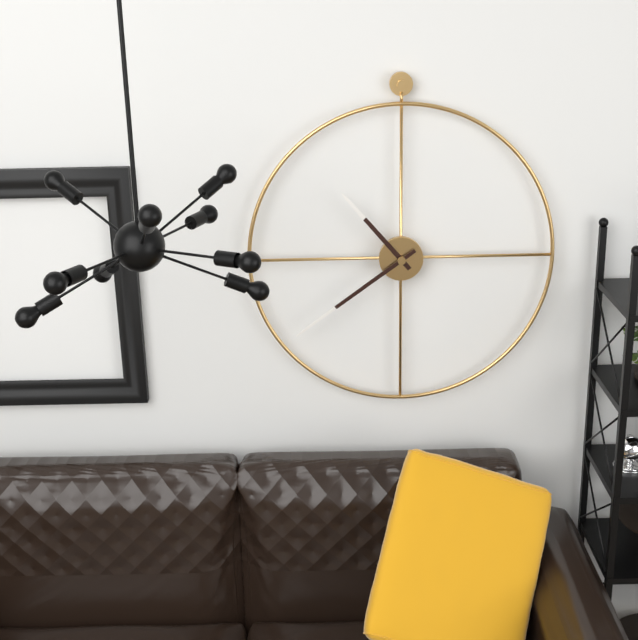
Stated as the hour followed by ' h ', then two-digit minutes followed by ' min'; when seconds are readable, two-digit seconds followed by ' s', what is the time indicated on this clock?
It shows 10 h 39 min
